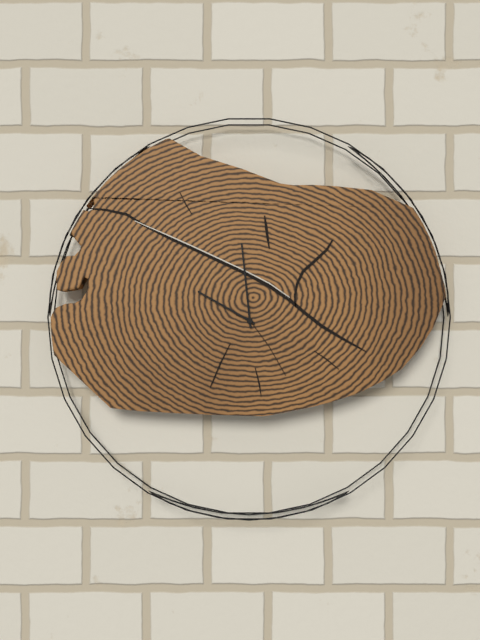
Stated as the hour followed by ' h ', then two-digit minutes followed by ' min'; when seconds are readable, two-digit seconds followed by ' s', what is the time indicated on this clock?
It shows 9 h 59 min
